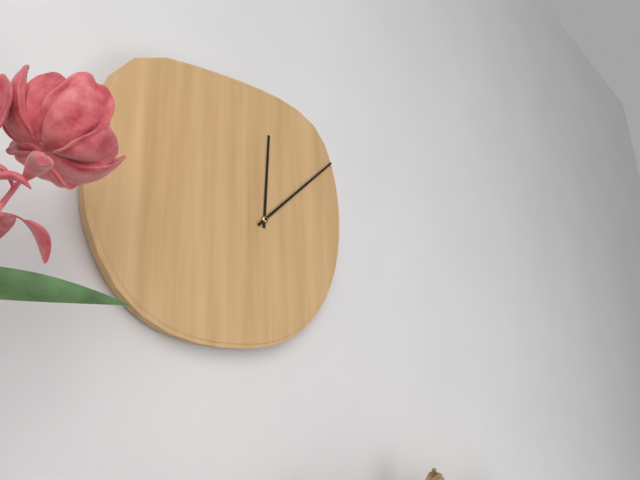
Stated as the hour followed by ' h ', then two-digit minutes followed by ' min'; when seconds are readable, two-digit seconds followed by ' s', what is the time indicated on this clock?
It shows 12 h 08 min
